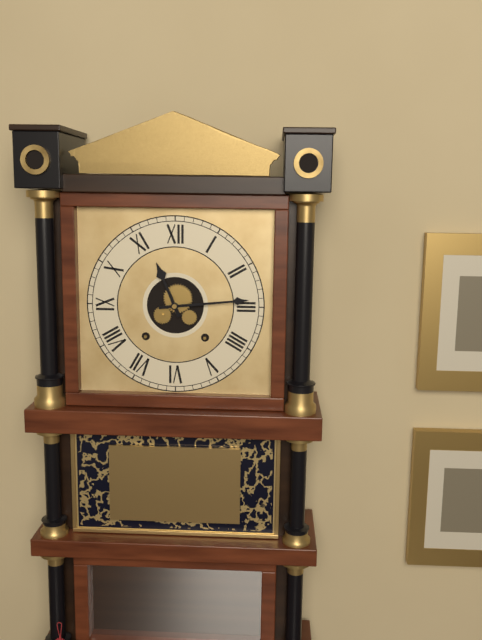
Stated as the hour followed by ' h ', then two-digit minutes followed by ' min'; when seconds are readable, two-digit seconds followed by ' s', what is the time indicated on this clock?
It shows 11 h 14 min
